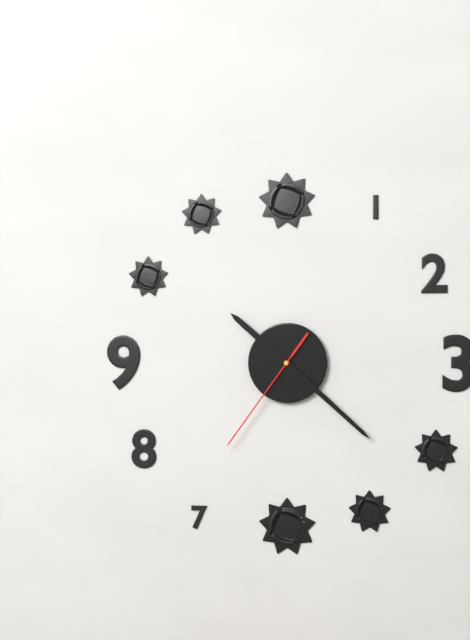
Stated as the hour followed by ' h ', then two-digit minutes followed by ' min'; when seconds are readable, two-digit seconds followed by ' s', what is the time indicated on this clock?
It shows 10 h 22 min 36 s
